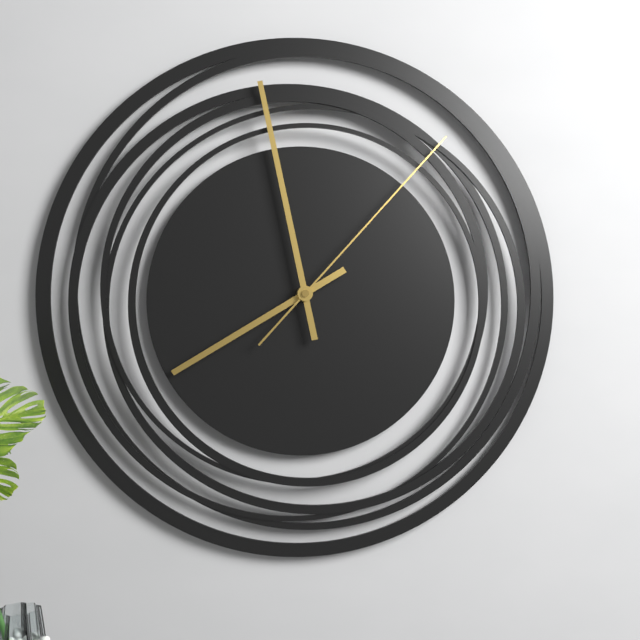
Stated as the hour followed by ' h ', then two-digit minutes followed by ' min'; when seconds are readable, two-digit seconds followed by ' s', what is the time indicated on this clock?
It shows 7 h 58 min 07 s
